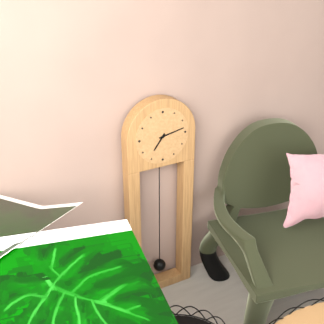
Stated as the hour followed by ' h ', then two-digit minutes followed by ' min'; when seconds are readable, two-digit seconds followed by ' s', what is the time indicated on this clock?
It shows 7 h 13 min
